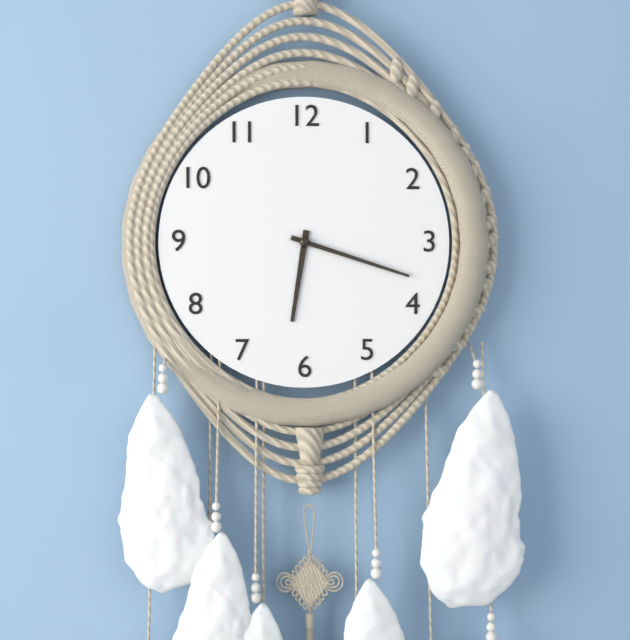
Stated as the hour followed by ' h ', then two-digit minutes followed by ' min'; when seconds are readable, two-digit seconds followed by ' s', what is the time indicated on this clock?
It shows 6 h 18 min
